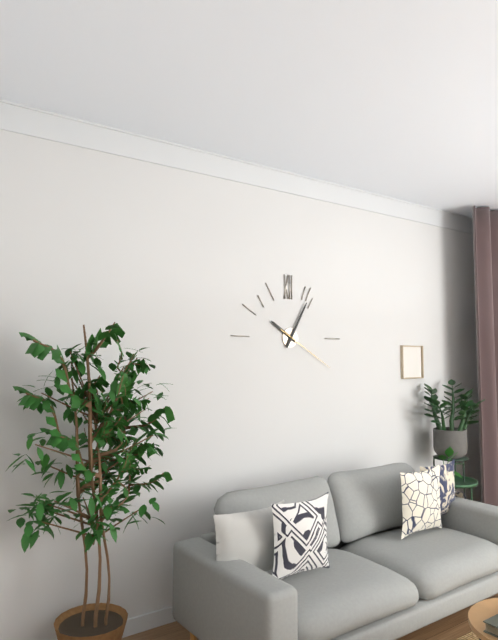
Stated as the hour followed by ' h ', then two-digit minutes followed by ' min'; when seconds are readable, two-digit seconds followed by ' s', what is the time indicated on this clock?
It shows 10 h 05 min 20 s
